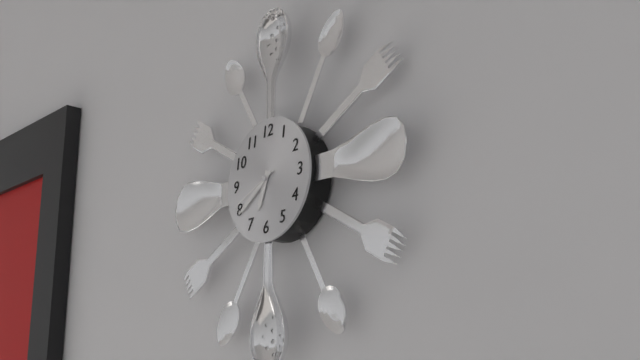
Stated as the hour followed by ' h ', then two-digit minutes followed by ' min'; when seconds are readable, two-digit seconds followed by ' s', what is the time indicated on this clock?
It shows 6 h 39 min 41 s
